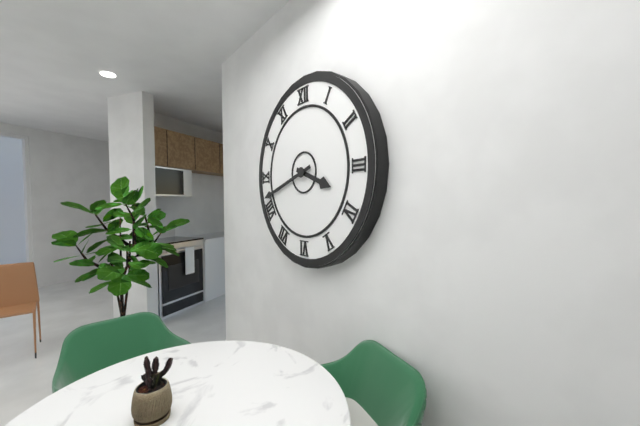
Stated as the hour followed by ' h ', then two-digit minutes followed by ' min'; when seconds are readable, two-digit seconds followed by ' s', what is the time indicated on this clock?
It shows 3 h 42 min
